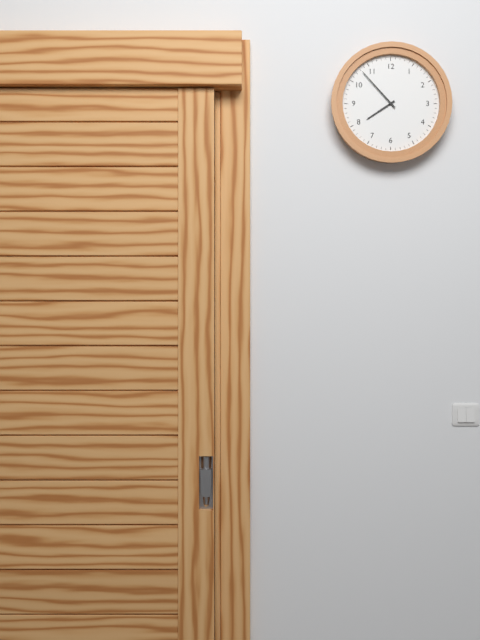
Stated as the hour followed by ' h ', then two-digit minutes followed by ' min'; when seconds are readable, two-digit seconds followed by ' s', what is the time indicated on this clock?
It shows 7 h 53 min
